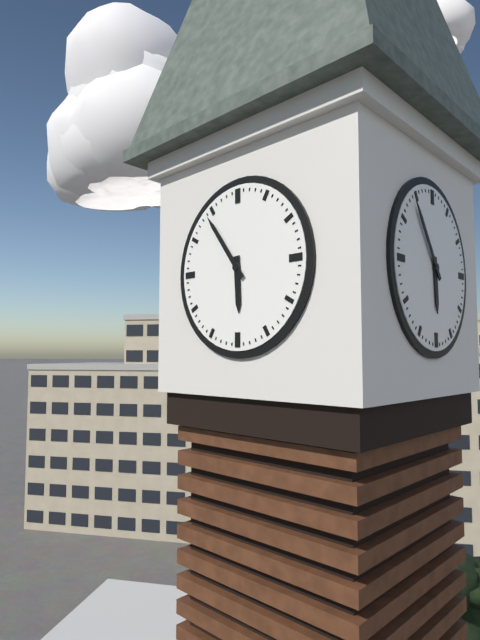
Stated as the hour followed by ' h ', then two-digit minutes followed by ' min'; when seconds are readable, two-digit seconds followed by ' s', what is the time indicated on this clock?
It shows 5 h 54 min
